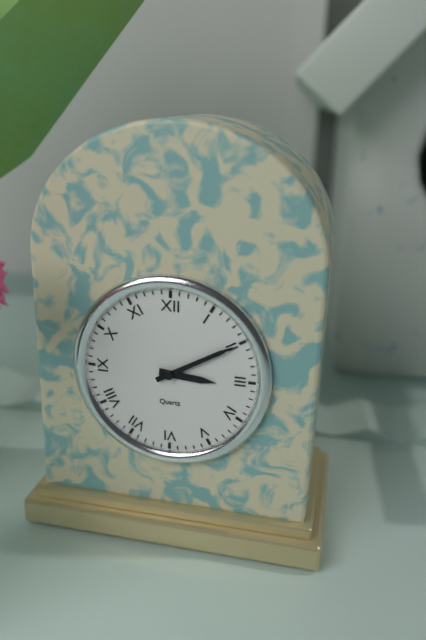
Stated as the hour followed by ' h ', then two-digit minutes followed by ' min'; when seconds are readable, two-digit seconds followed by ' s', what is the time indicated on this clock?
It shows 3 h 10 min
